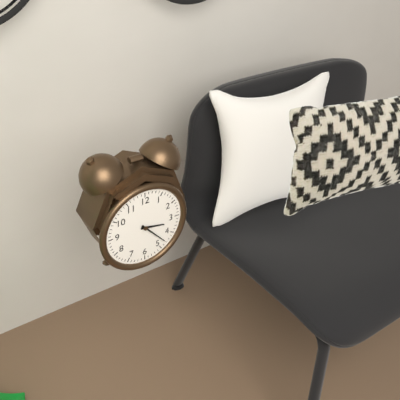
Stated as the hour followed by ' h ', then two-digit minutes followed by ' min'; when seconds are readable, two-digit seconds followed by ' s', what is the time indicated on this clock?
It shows 3 h 23 min
